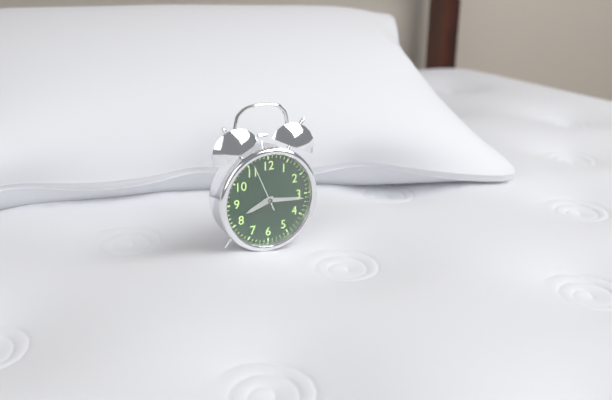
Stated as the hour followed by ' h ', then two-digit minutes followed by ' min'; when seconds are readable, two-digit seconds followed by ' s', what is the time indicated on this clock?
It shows 8 h 16 min
